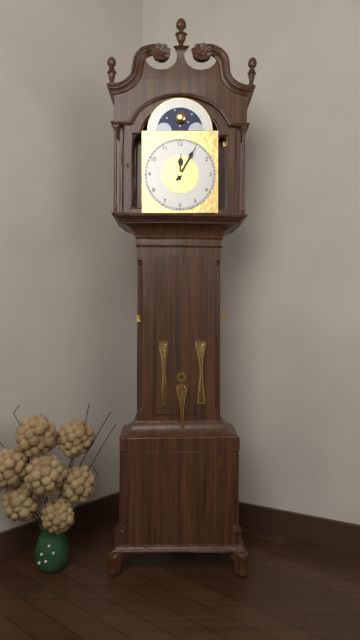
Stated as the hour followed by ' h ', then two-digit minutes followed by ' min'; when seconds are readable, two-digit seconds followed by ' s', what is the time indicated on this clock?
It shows 12 h 05 min
